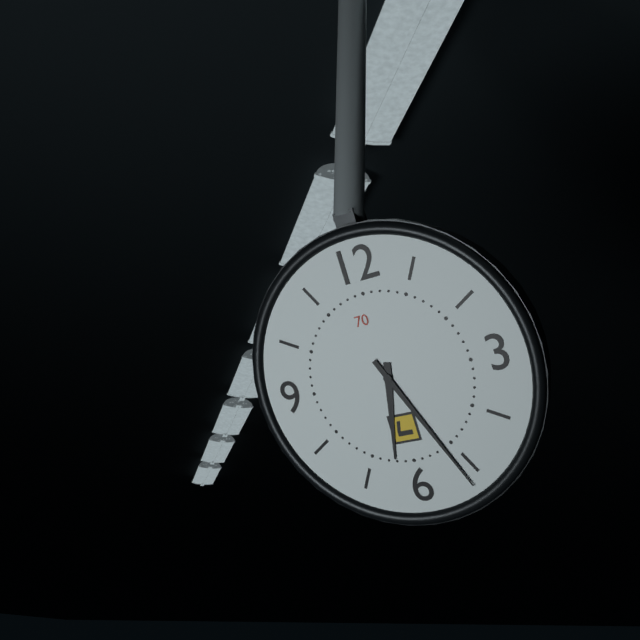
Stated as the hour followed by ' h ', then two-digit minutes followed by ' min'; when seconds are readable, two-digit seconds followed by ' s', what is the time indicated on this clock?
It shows 6 h 26 min
